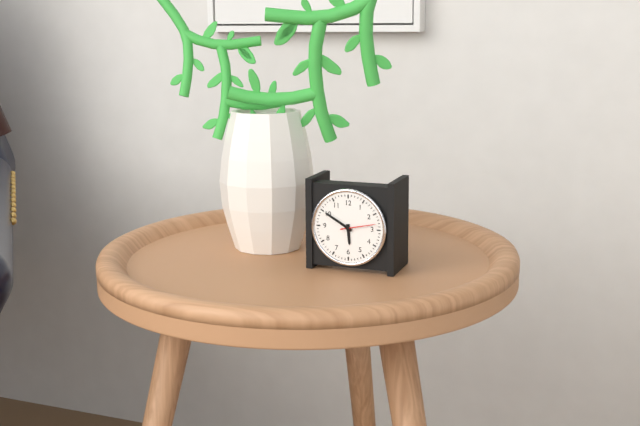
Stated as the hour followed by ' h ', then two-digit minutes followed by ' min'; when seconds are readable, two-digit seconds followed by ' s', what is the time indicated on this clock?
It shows 5 h 50 min
